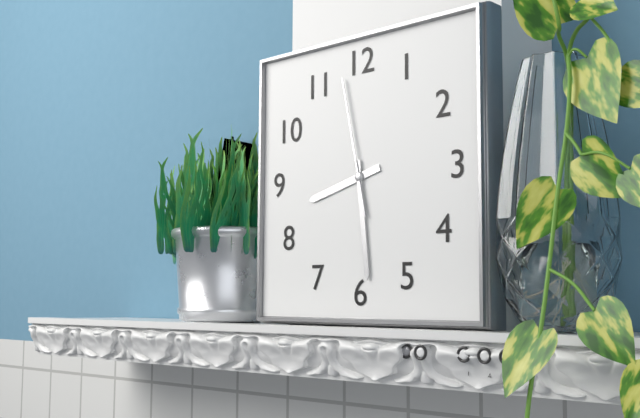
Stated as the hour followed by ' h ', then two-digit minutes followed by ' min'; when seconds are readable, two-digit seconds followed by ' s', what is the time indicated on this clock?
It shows 8 h 29 min 58 s
